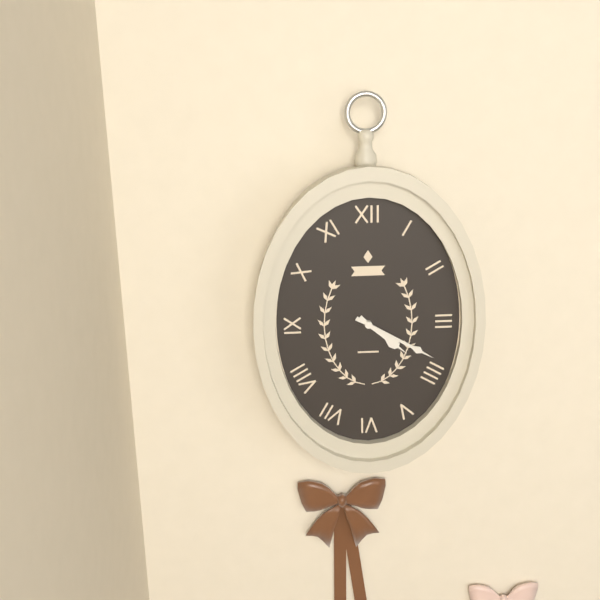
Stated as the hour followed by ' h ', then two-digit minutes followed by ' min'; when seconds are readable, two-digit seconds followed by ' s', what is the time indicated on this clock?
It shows 4 h 20 min
